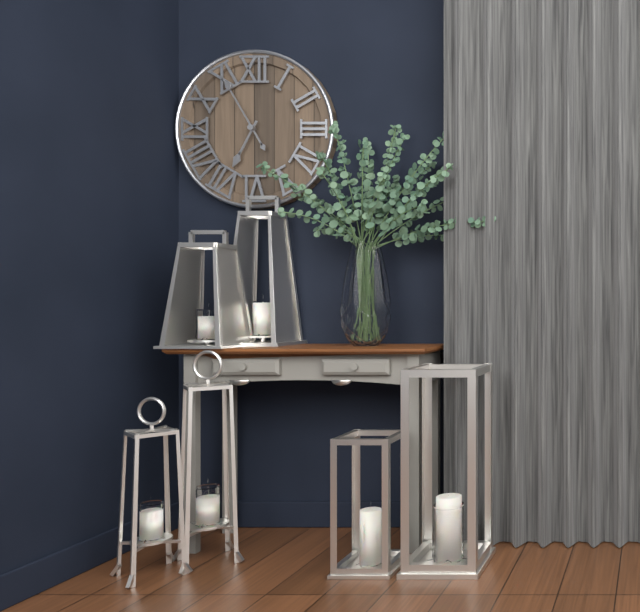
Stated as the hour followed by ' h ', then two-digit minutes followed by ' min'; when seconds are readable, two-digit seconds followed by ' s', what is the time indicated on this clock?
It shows 6 h 55 min
